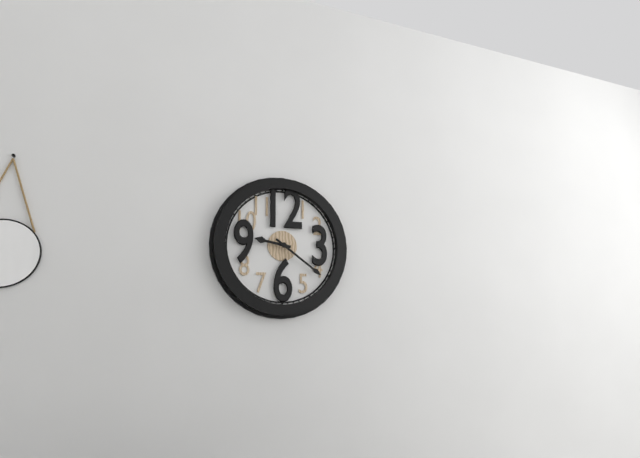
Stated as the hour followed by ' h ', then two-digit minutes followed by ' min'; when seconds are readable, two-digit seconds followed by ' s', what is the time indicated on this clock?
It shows 9 h 21 min
